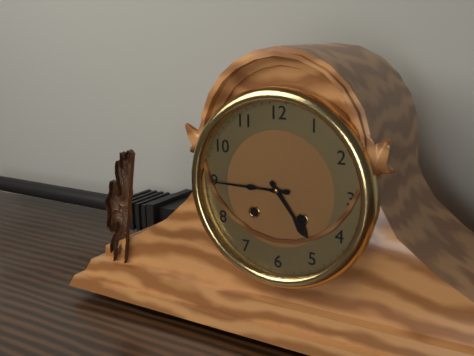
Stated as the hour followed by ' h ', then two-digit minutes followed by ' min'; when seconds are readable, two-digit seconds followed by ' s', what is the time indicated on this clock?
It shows 4 h 45 min
